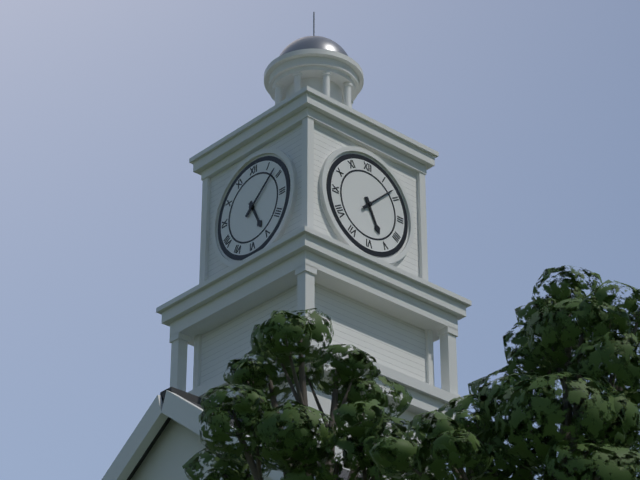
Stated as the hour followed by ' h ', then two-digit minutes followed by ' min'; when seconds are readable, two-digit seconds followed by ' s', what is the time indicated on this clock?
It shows 5 h 08 min
